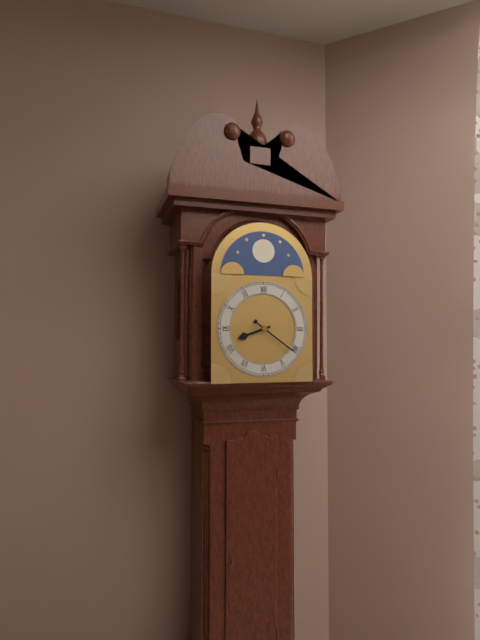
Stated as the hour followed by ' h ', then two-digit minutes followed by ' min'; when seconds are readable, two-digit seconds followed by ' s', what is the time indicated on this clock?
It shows 8 h 21 min
